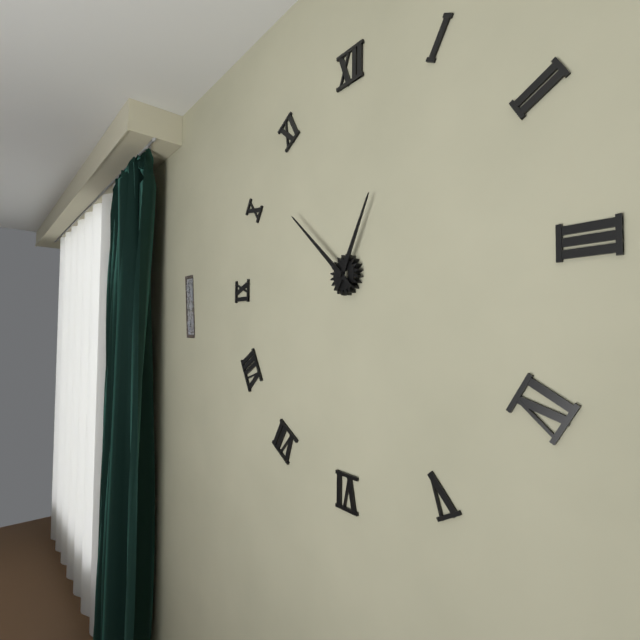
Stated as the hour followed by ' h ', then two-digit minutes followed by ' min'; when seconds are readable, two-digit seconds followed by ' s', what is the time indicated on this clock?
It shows 12 h 52 min
